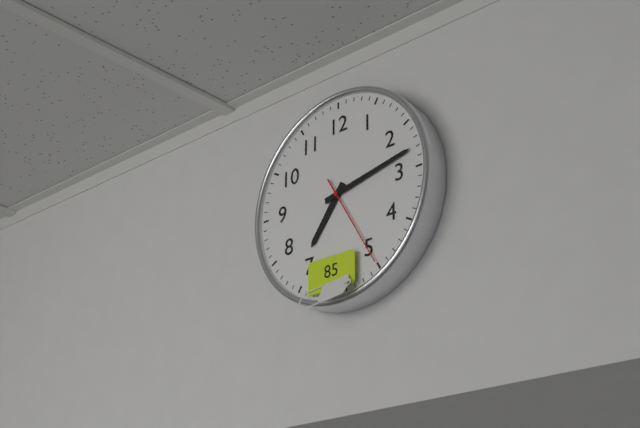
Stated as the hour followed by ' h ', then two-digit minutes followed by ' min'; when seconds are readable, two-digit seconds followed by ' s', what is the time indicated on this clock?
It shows 7 h 13 min 25 s
